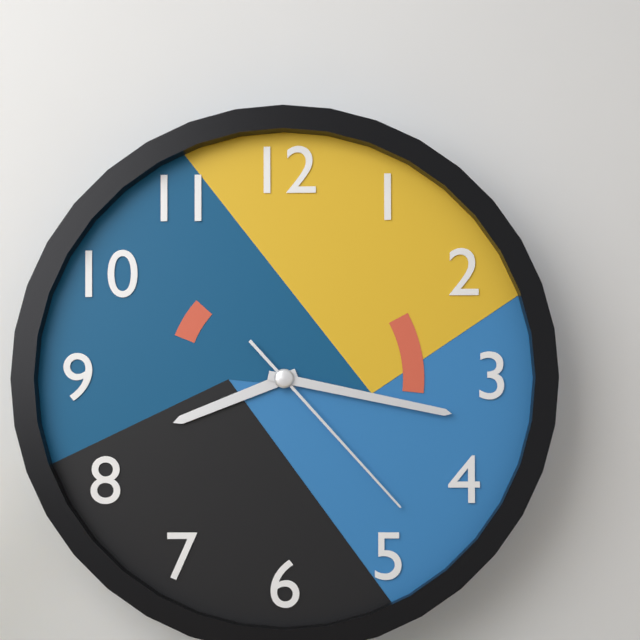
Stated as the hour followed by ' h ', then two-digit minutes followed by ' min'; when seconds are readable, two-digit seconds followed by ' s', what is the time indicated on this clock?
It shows 8 h 17 min 23 s
